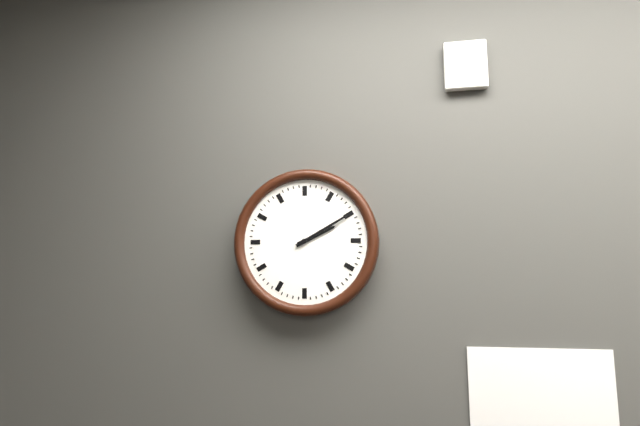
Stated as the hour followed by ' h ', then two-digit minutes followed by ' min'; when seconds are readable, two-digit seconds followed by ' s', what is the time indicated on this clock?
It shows 2 h 10 min
